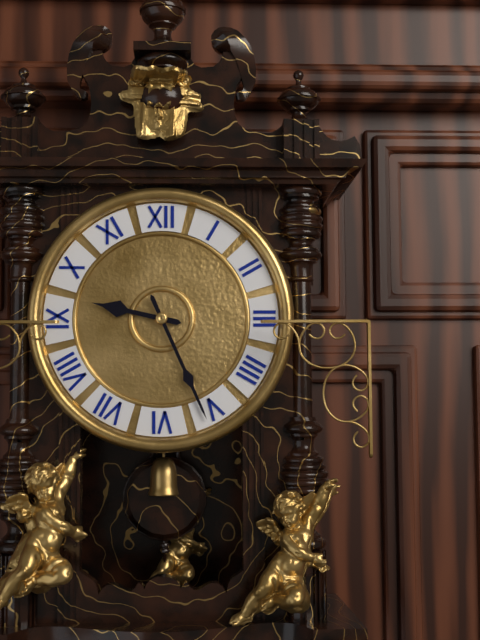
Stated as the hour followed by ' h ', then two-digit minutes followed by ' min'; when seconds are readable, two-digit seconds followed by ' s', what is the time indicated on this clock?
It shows 9 h 26 min
